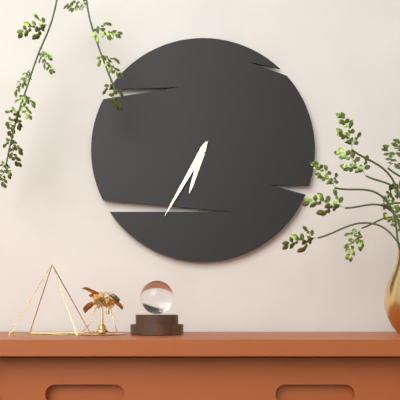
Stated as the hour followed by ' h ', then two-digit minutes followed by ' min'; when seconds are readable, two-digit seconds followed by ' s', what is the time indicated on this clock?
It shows 6 h 35 min
